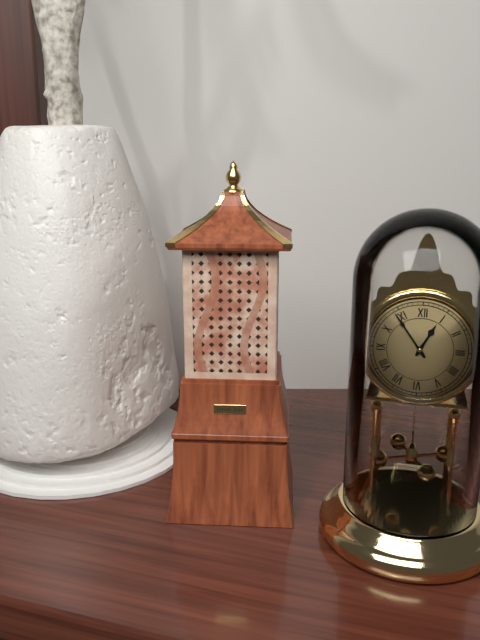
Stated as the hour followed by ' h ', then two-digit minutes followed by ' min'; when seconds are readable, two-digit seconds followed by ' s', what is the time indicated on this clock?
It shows 12 h 54 min
